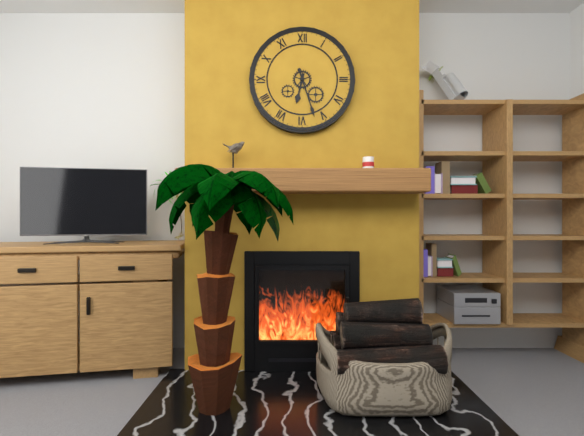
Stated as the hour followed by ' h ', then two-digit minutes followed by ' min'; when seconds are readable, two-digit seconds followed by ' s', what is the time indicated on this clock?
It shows 6 h 27 min
